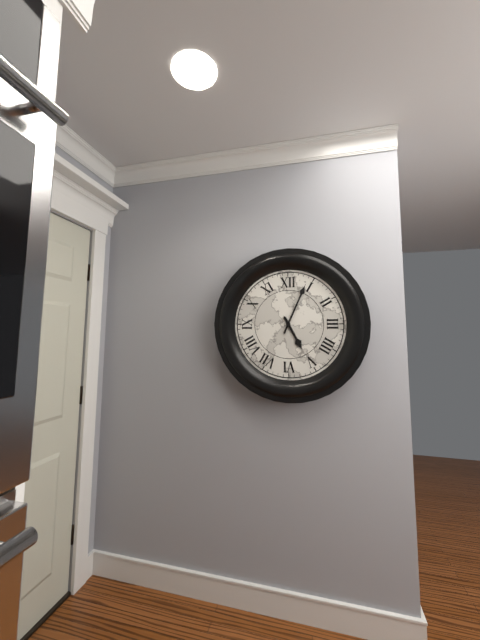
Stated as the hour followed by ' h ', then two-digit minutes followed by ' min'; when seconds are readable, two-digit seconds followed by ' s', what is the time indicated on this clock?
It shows 5 h 04 min
